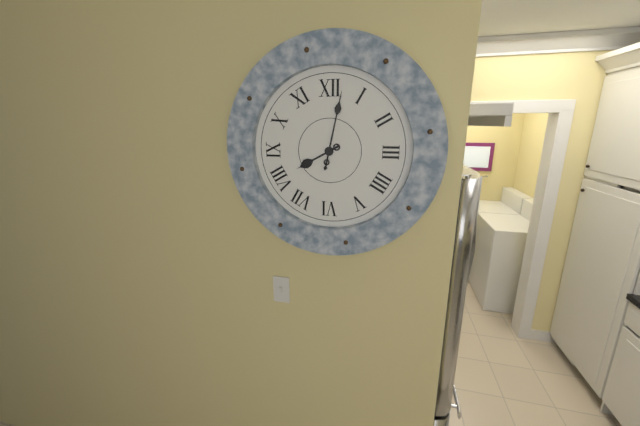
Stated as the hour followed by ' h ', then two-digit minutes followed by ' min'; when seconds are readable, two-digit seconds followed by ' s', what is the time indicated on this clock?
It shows 8 h 02 min
